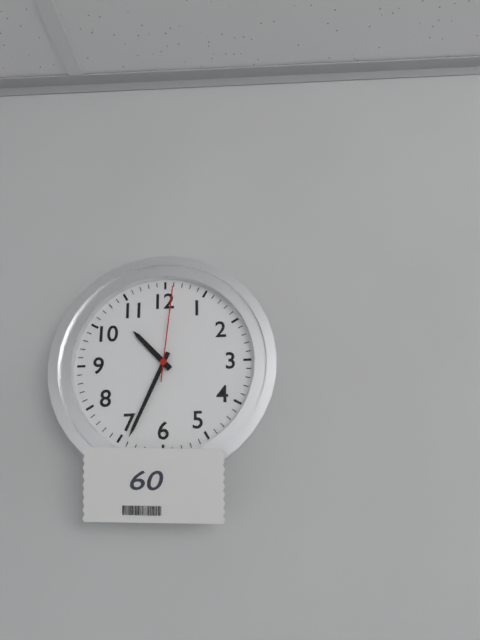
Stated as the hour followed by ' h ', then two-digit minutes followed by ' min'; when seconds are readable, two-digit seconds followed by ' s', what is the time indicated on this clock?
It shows 10 h 34 min 01 s
